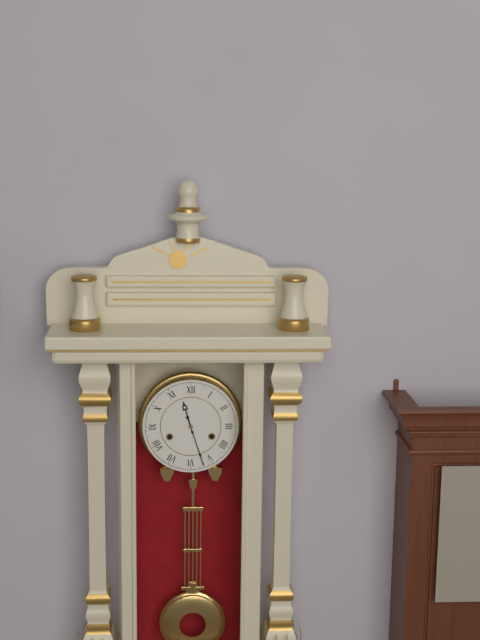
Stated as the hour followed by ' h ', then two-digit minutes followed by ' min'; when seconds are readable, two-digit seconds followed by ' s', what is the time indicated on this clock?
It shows 11 h 27 min
